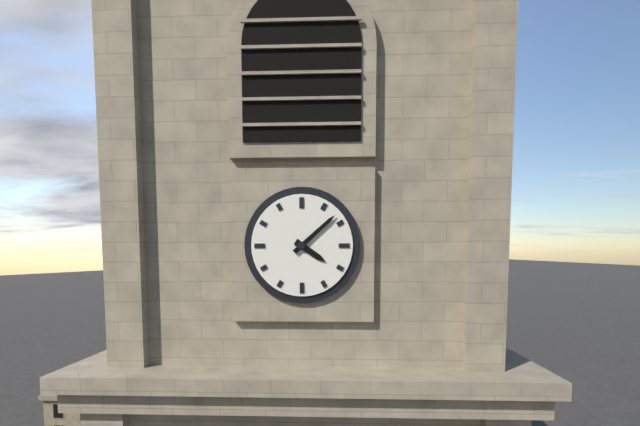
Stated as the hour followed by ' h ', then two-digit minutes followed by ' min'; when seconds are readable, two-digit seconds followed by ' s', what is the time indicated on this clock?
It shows 4 h 08 min
